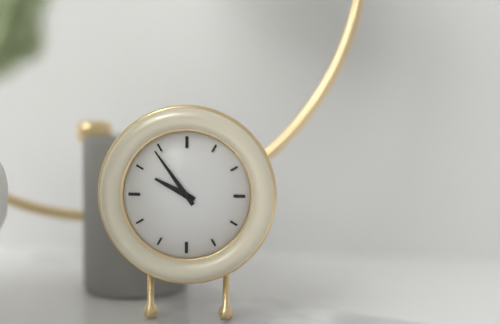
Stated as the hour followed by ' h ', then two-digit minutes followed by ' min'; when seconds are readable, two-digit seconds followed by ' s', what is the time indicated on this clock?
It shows 9 h 54 min
